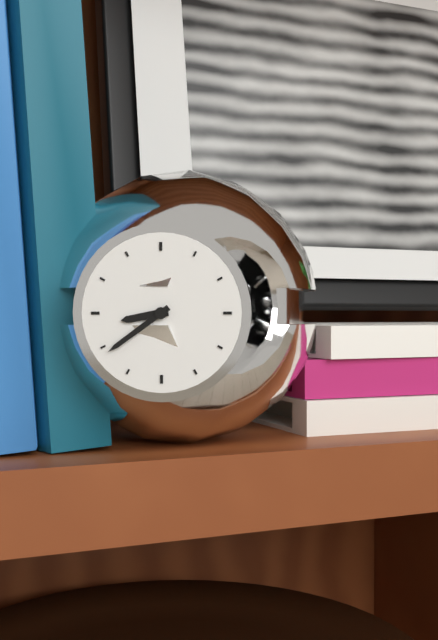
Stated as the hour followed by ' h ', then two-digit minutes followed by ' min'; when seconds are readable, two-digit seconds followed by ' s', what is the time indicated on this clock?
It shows 8 h 39 min
